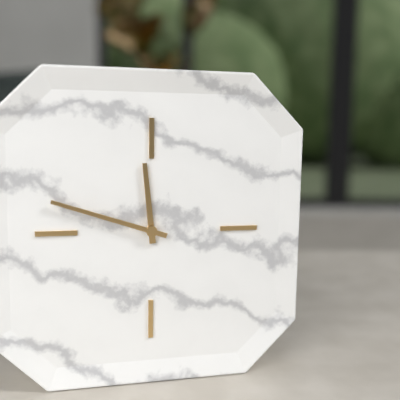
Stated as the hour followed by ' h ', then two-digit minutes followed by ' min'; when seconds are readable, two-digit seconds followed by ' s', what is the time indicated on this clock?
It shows 11 h 48 min
